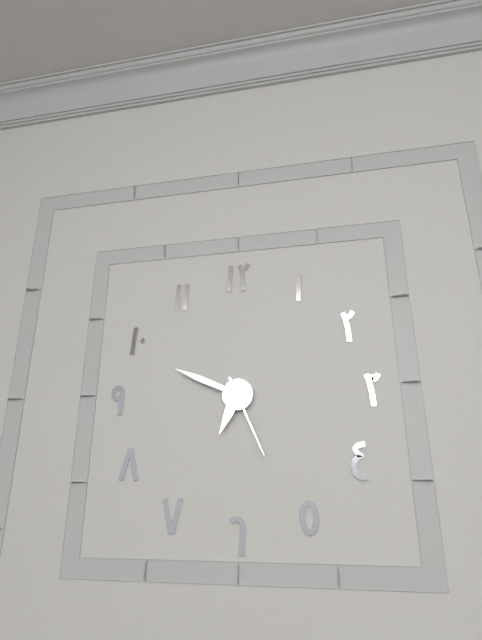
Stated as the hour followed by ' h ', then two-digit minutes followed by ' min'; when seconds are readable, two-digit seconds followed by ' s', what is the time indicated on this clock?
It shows 6 h 49 min 26 s
